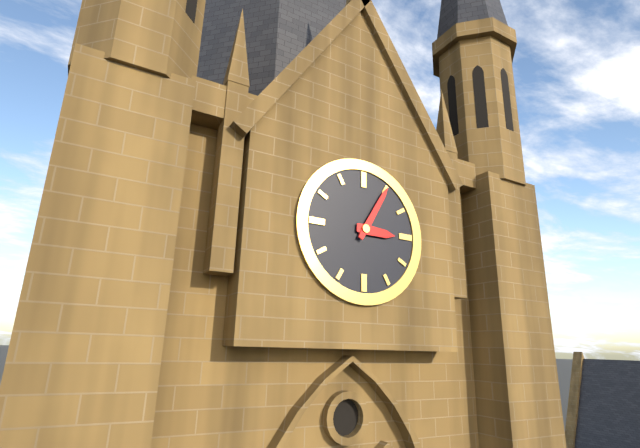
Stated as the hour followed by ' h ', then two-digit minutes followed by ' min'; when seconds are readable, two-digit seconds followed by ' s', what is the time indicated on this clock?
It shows 3 h 05 min
